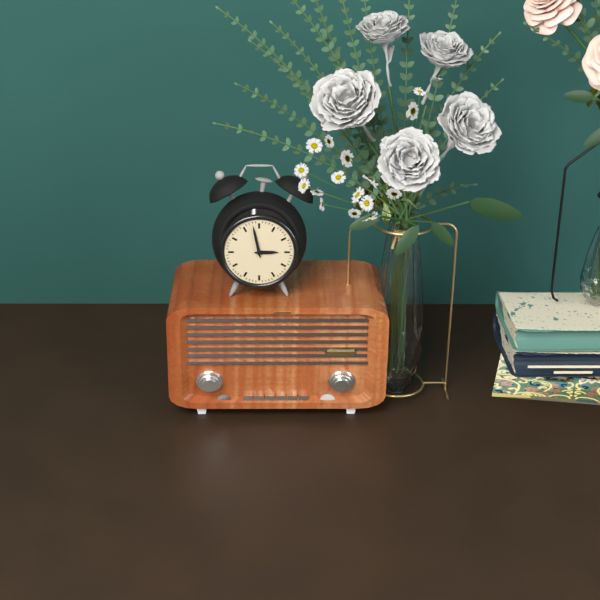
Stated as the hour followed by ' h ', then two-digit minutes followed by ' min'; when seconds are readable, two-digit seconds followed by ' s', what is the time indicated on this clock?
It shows 2 h 58 min
